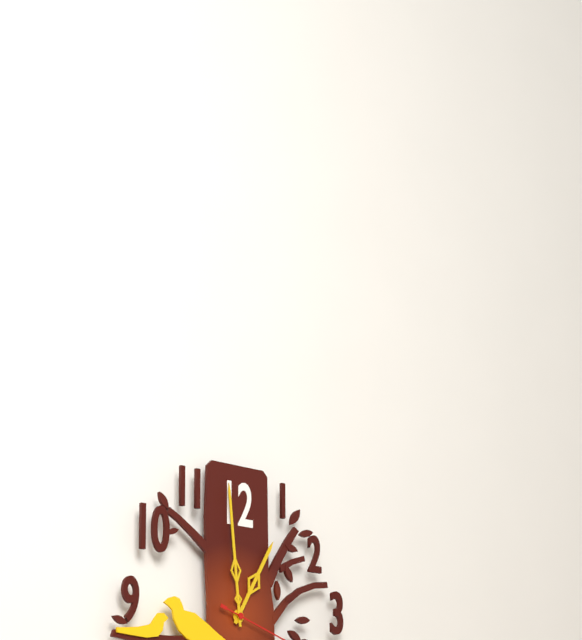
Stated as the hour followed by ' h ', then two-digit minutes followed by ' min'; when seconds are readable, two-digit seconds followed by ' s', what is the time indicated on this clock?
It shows 12 h 59 min
